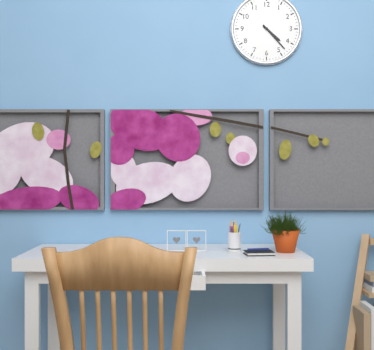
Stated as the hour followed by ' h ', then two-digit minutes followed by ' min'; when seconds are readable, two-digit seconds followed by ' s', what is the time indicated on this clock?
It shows 4 h 23 min
